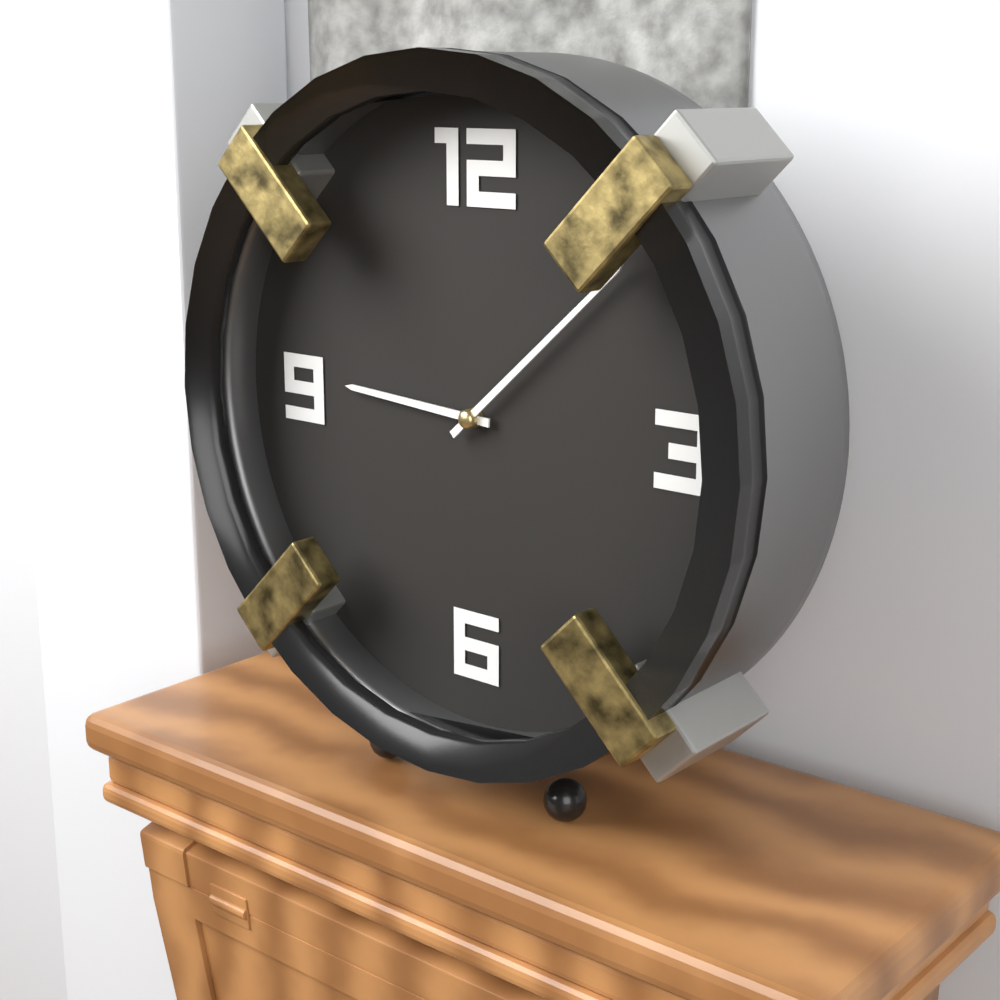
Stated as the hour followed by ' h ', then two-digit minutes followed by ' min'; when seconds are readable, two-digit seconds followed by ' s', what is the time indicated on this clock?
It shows 9 h 08 min
